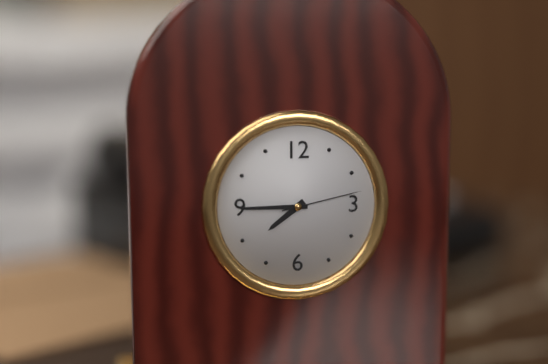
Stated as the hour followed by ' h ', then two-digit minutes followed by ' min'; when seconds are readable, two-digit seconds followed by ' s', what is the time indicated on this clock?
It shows 7 h 45 min 13 s
